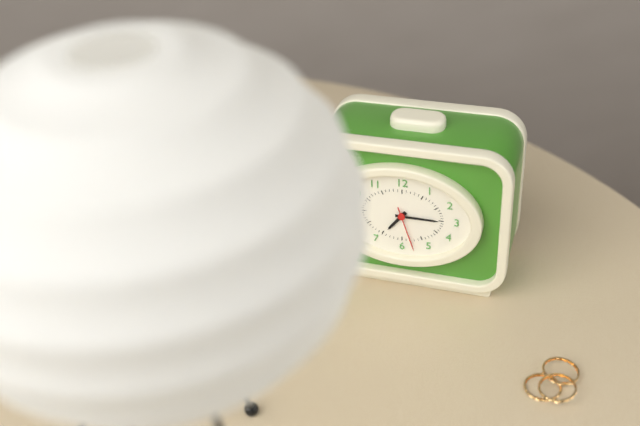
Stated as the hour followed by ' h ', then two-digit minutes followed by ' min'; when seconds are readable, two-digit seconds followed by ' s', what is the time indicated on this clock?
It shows 7 h 15 min
